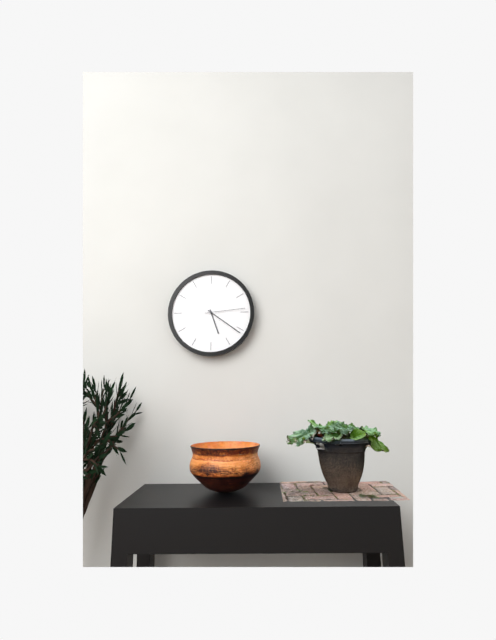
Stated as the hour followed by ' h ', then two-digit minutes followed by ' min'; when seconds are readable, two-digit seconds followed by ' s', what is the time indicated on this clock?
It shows 5 h 21 min
